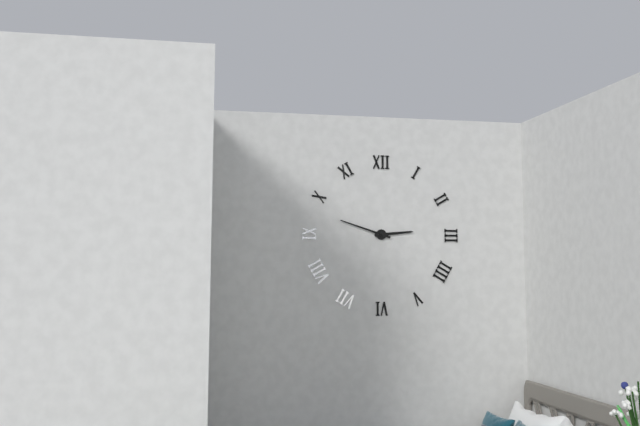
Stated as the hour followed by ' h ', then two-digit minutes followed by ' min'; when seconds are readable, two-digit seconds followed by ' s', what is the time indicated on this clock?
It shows 2 h 48 min
